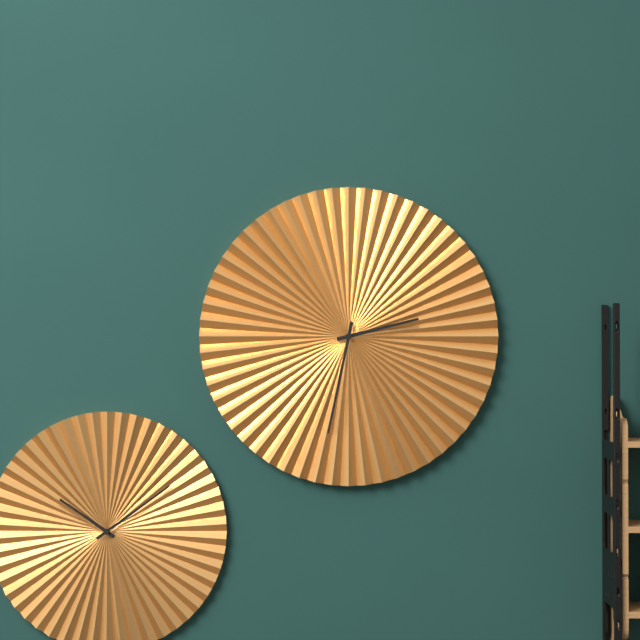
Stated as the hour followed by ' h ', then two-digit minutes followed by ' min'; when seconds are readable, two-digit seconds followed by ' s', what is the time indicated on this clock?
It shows 2 h 32 min
